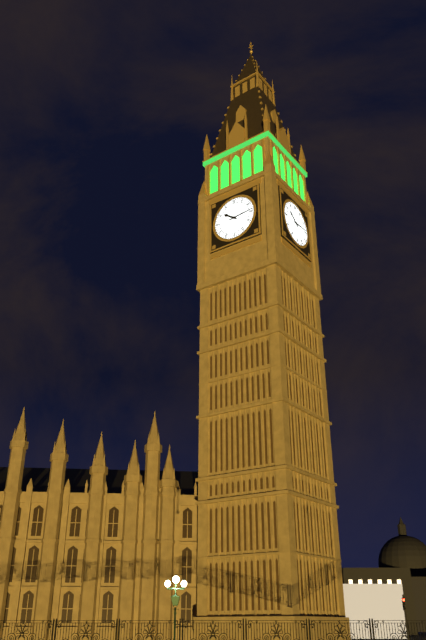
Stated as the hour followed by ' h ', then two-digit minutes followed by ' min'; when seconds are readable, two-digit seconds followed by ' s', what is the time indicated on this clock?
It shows 10 h 14 min
